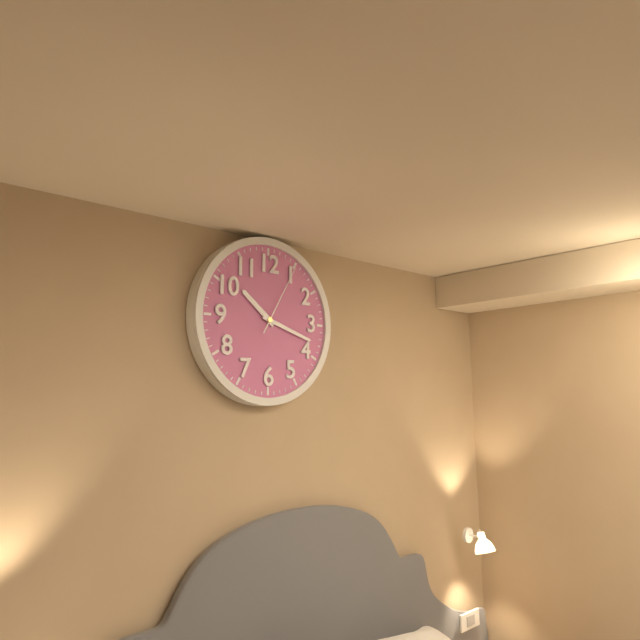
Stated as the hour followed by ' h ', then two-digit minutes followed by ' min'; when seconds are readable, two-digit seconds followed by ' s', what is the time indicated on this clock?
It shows 10 h 18 min 05 s
